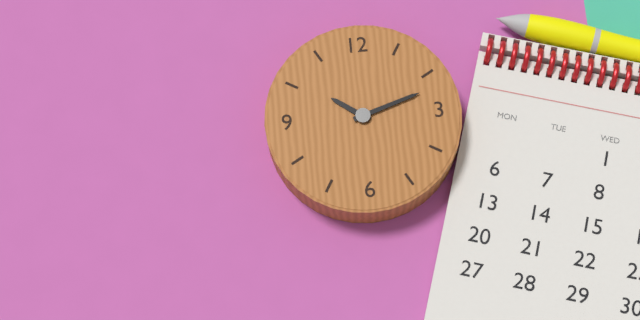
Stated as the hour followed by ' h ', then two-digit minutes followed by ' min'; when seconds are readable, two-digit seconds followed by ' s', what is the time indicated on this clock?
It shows 10 h 12 min
